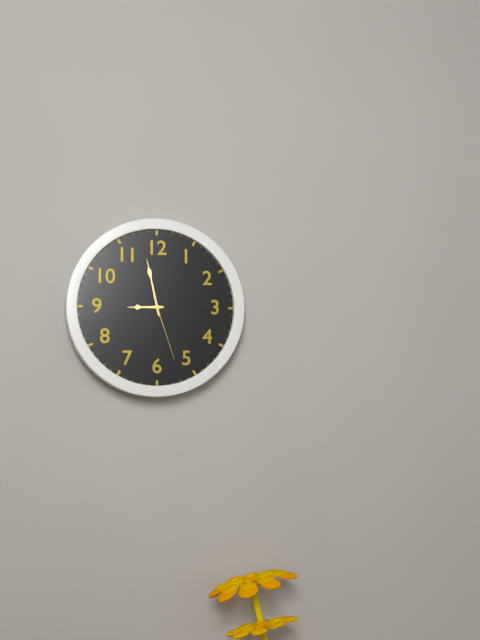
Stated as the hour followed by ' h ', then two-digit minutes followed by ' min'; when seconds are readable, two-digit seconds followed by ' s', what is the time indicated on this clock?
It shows 8 h 58 min 27 s
